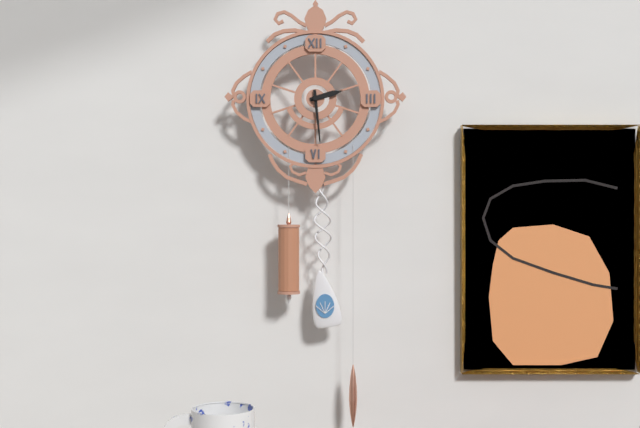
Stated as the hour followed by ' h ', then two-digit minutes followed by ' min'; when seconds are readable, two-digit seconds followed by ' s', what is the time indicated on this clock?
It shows 2 h 29 min
